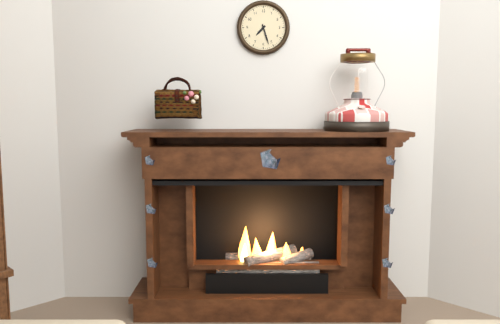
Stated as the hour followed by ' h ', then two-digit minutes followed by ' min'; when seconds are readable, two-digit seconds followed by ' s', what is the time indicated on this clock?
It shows 7 h 27 min
